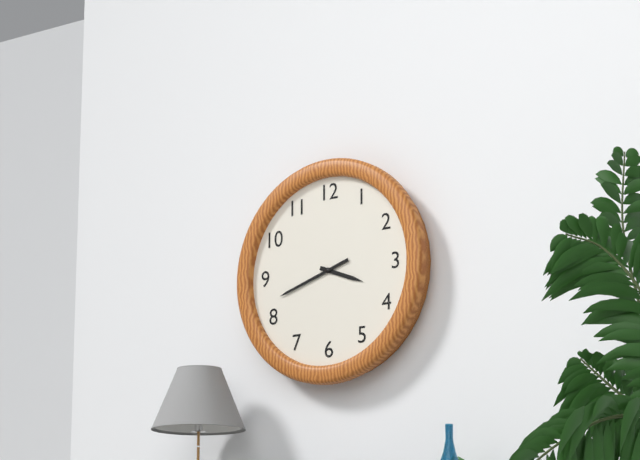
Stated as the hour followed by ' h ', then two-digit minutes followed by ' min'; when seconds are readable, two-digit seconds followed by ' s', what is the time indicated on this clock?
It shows 3 h 42 min
